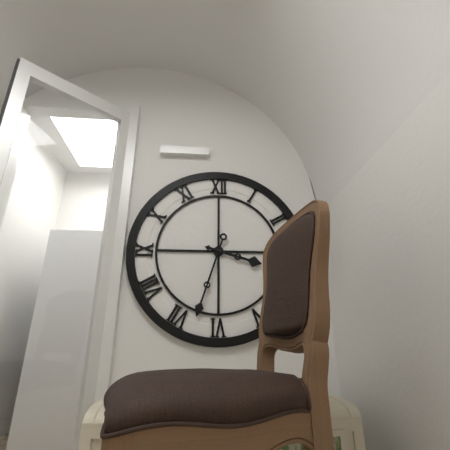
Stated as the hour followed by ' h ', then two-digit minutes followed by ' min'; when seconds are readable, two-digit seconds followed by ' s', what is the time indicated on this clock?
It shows 3 h 33 min
